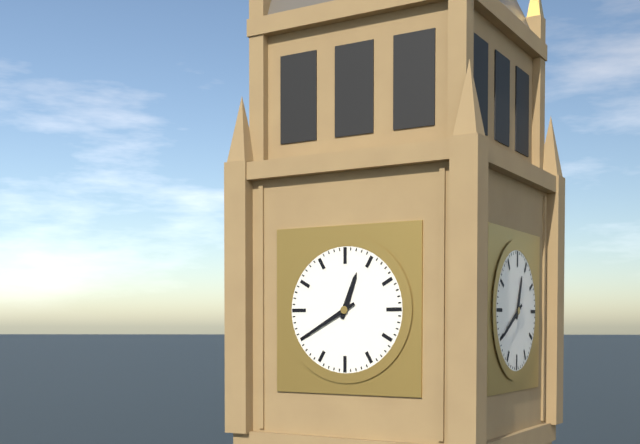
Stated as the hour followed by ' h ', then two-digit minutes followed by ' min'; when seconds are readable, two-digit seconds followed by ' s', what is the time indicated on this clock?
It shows 12 h 40 min
